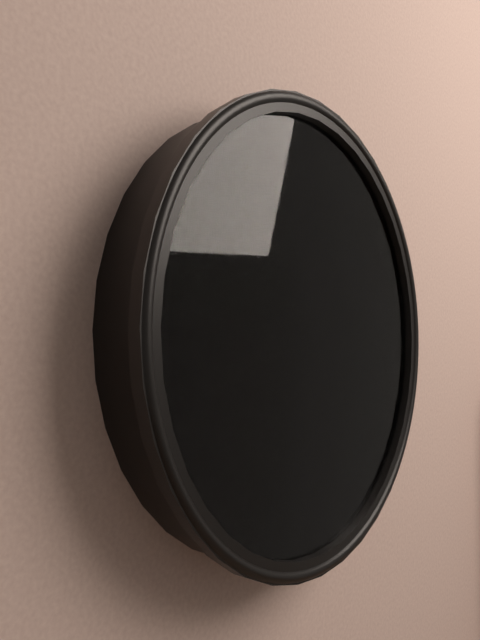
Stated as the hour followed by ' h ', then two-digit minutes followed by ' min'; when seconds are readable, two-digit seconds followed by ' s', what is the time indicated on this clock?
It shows 7 h 23 min 03 s
